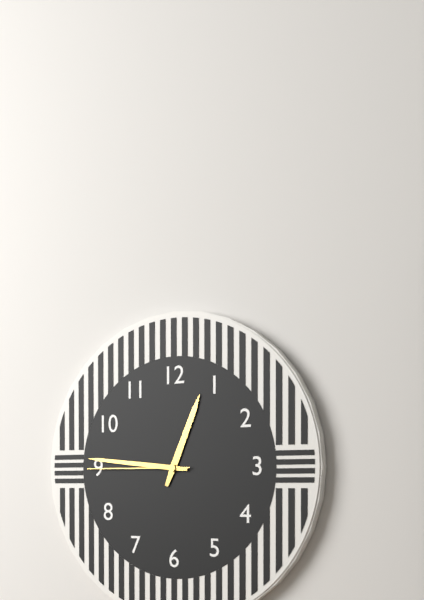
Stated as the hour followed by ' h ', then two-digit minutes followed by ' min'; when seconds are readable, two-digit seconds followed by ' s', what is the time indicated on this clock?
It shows 12 h 46 min 45 s
